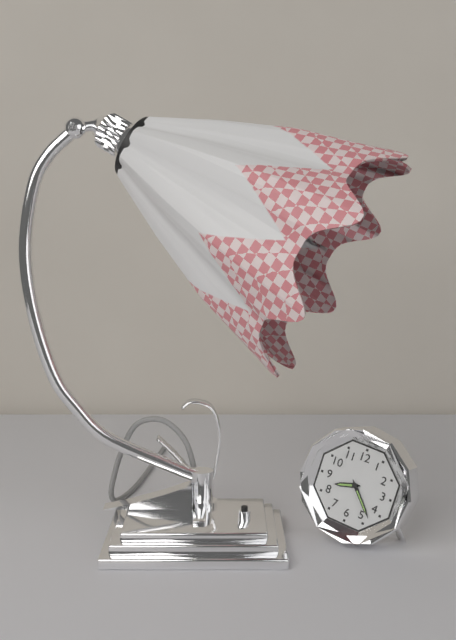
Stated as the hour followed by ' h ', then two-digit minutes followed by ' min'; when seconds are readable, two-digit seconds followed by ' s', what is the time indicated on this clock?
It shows 8 h 23 min
